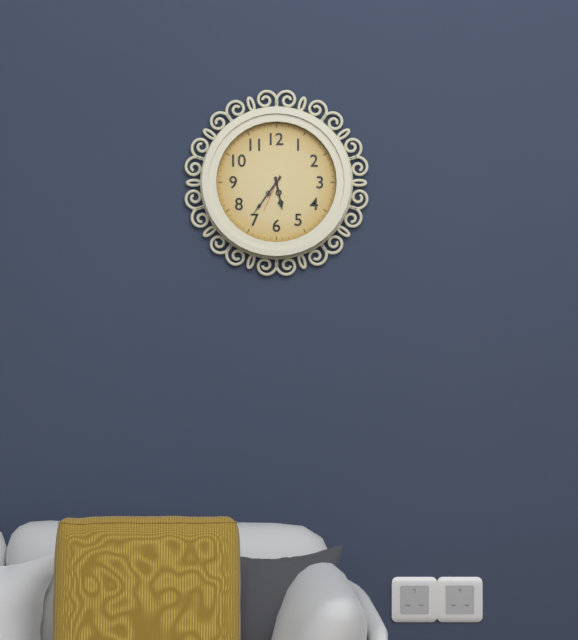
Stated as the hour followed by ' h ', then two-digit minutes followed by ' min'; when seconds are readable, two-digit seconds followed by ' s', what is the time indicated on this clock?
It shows 5 h 36 min
